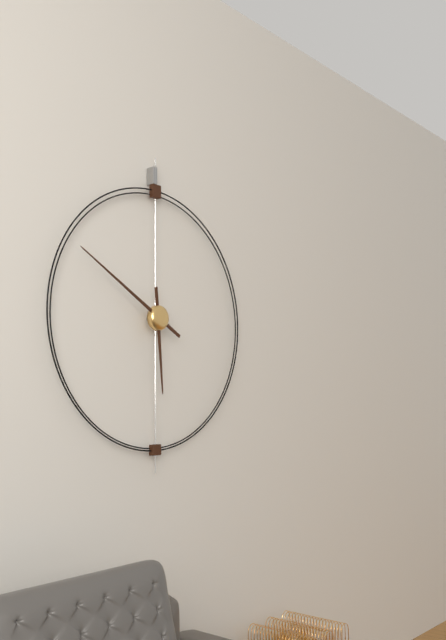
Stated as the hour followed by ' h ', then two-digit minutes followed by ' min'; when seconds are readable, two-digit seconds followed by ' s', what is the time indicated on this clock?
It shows 5 h 50 min
